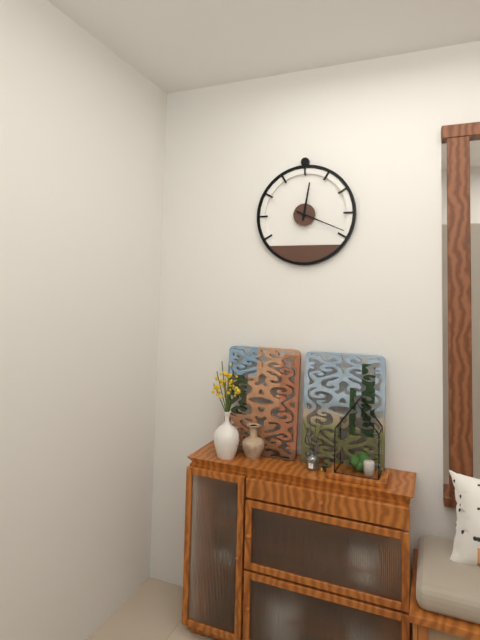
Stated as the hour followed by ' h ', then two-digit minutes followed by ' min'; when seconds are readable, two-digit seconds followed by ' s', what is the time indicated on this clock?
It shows 12 h 19 min
